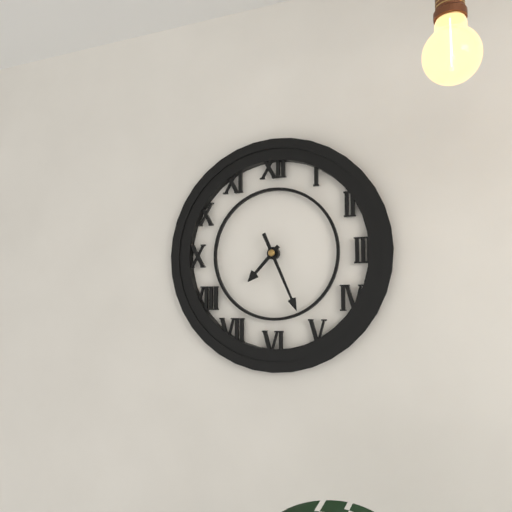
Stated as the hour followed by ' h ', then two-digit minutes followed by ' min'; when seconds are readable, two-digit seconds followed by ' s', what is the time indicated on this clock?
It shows 7 h 26 min
